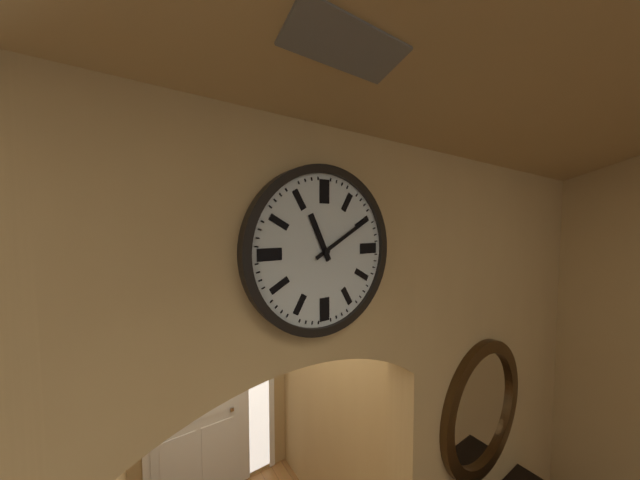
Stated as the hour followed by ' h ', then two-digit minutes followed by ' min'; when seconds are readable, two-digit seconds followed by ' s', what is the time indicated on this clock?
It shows 11 h 10 min
